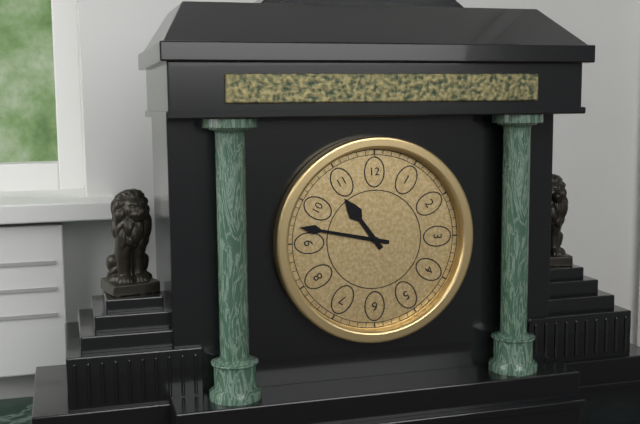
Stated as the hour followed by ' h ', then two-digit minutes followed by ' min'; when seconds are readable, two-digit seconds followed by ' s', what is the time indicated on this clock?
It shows 10 h 47 min
